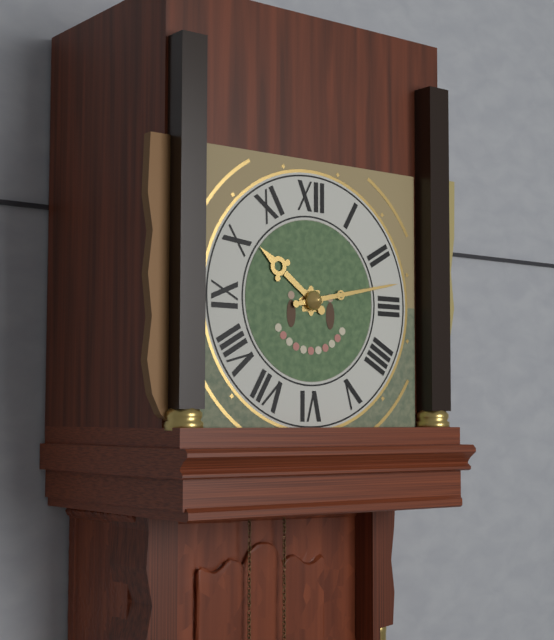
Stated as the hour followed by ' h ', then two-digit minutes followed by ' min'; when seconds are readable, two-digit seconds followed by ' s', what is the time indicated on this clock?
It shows 10 h 13 min
